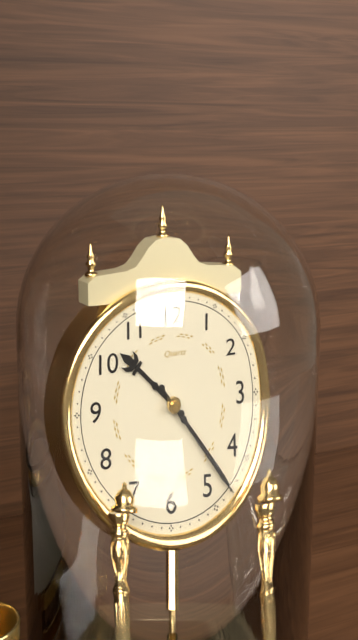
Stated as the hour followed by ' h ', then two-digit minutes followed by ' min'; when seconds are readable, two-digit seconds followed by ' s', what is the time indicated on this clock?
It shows 10 h 23 min
